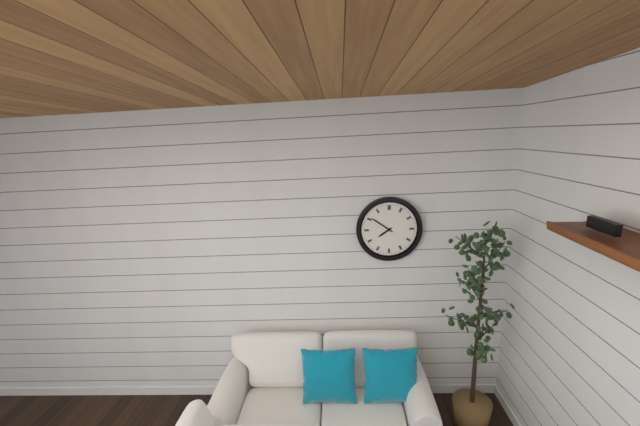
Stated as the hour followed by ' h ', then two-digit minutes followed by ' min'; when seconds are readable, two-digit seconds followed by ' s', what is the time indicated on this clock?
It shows 7 h 51 min
